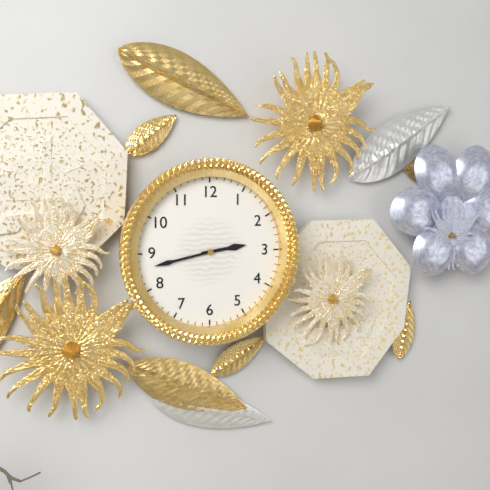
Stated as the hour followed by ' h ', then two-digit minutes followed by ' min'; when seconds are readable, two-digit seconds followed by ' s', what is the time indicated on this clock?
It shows 2 h 43 min
